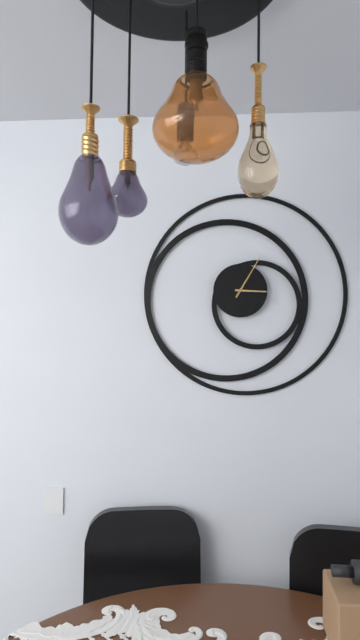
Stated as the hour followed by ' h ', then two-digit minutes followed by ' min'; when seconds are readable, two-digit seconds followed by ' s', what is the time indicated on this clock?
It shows 3 h 05 min
